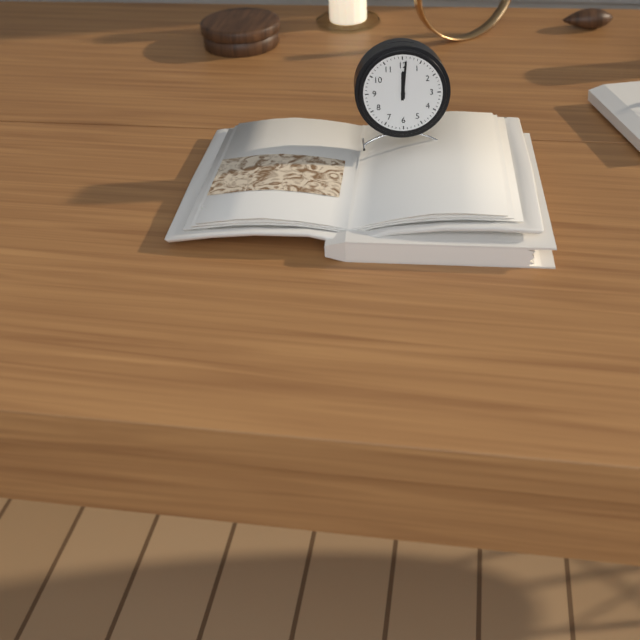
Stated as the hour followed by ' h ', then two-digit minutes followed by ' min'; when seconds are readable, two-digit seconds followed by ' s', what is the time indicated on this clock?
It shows 12 h 01 min
